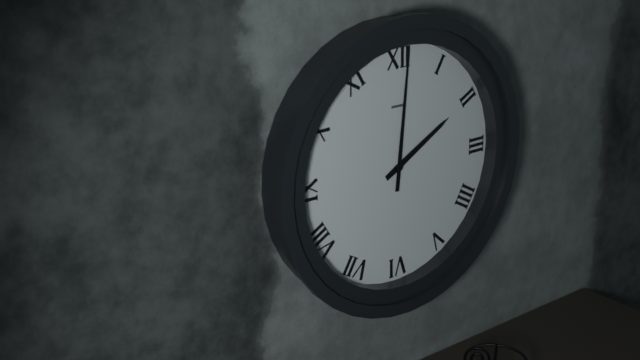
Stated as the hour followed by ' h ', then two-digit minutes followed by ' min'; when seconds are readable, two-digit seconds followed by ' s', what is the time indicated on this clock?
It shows 2 h 01 min
